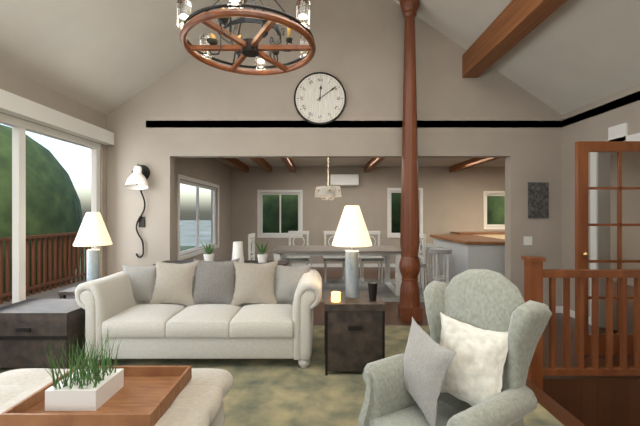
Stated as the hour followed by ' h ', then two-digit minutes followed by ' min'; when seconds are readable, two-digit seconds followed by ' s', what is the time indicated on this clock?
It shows 12 h 09 min
